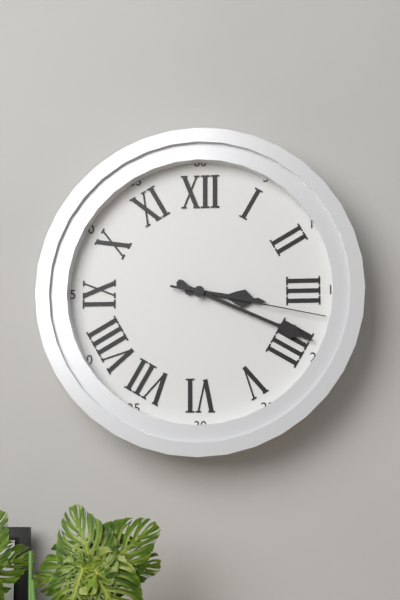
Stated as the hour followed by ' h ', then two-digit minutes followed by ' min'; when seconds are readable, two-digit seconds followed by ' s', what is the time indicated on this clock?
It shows 3 h 19 min 17 s
